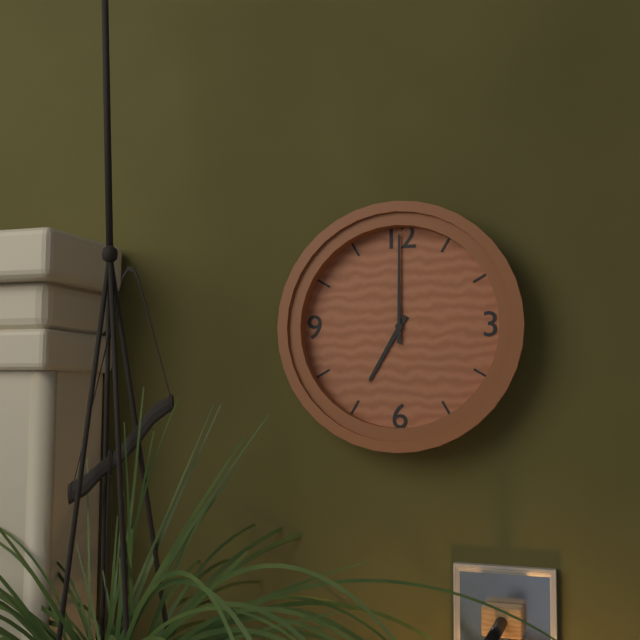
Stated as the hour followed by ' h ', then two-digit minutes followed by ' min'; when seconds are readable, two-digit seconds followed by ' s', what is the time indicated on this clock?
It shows 7 h 00 min
